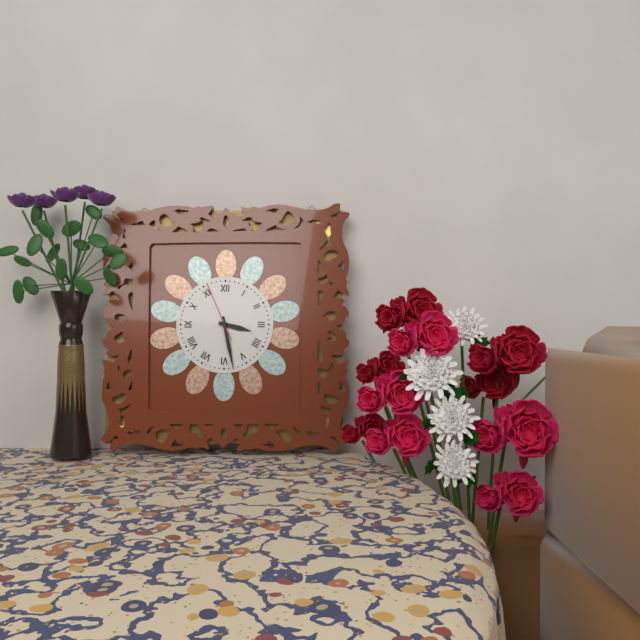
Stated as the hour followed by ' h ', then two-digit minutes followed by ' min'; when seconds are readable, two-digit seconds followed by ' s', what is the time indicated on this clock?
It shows 3 h 28 min 56 s
